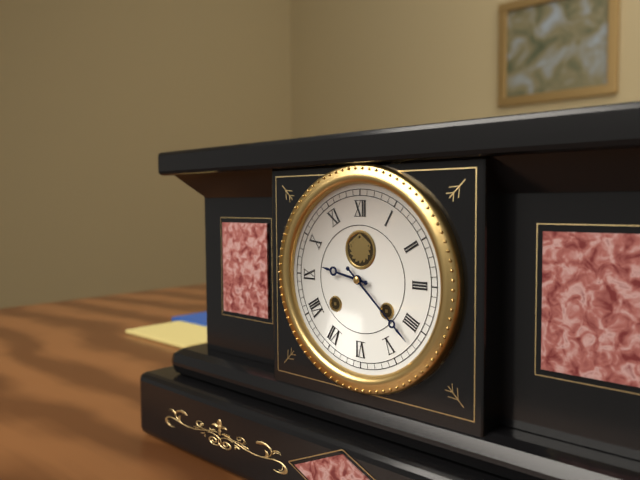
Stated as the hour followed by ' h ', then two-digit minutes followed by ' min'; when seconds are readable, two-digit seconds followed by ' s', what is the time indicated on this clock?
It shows 9 h 22 min
